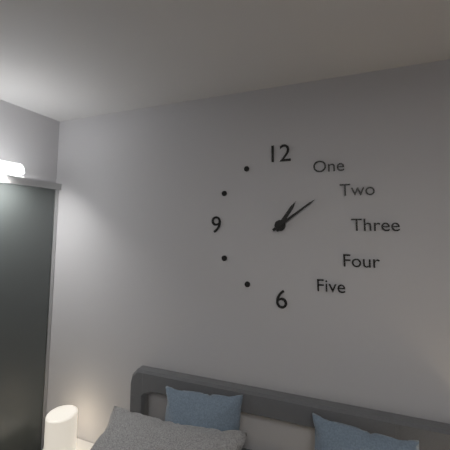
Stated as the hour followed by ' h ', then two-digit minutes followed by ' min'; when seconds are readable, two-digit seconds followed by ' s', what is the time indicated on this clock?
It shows 1 h 09 min
